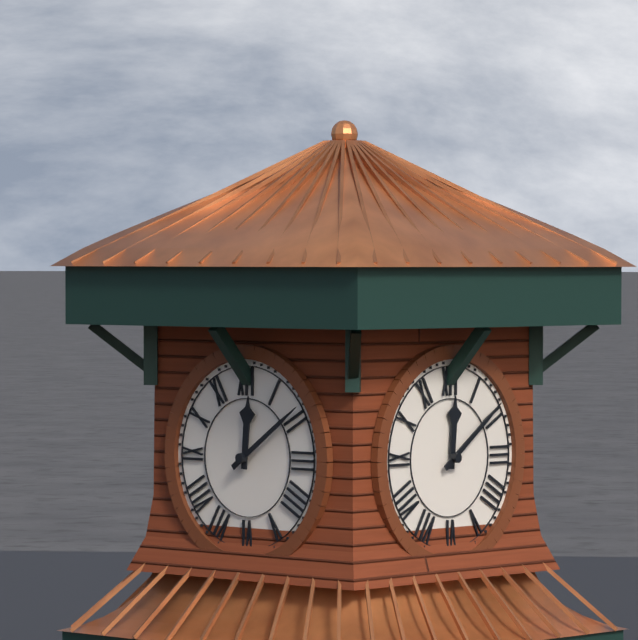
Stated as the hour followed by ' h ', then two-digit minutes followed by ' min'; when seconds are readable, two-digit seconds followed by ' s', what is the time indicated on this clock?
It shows 12 h 09 min
